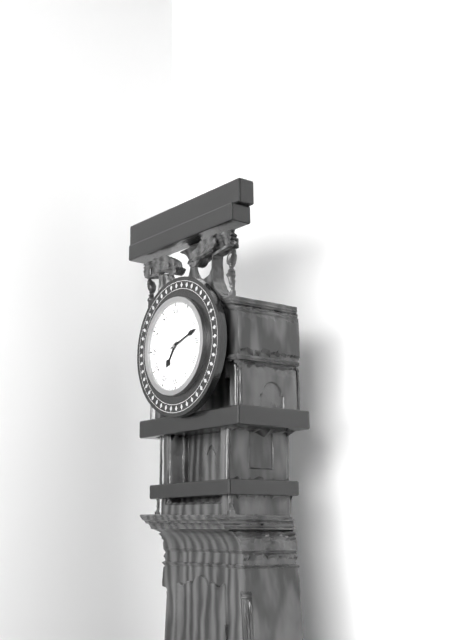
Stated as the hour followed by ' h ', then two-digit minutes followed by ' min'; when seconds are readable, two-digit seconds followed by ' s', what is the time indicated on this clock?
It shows 7 h 12 min
